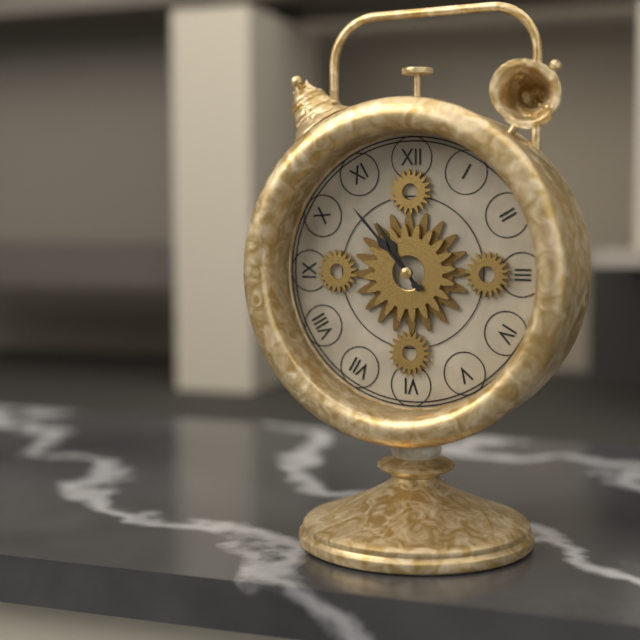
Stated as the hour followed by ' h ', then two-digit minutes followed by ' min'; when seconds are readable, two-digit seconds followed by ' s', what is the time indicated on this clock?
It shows 10 h 53 min
